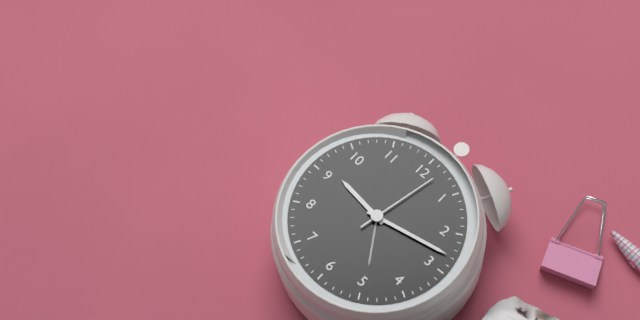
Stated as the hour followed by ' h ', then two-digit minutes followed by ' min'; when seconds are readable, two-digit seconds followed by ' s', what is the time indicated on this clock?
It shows 9 h 13 min 02 s
